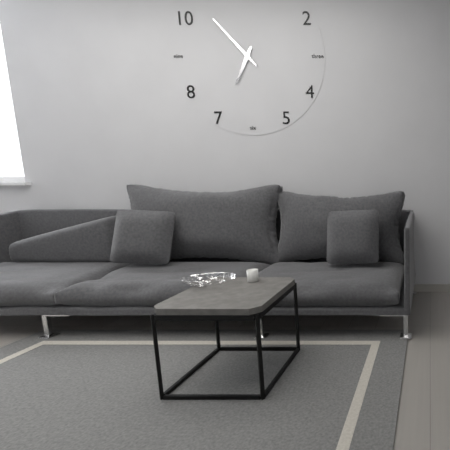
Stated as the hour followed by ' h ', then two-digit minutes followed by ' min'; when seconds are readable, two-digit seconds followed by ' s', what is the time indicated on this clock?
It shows 6 h 53 min
